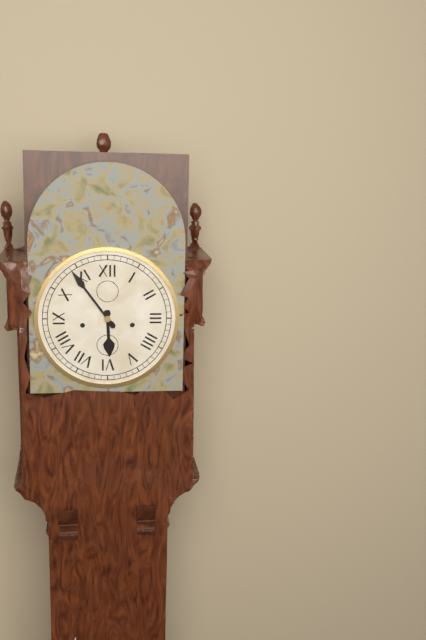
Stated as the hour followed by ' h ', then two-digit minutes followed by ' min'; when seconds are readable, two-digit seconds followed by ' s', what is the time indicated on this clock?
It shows 5 h 54 min
